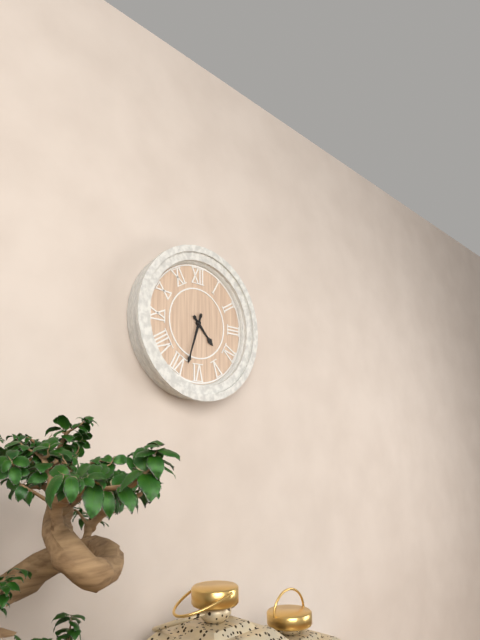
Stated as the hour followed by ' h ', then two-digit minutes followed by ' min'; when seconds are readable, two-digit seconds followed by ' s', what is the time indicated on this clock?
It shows 4 h 33 min
